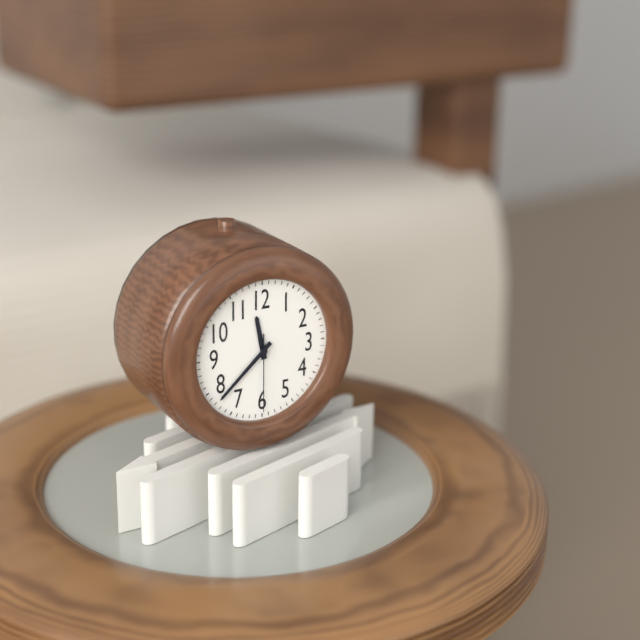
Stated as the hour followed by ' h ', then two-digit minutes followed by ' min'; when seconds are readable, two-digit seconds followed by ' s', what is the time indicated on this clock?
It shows 11 h 38 min 30 s
